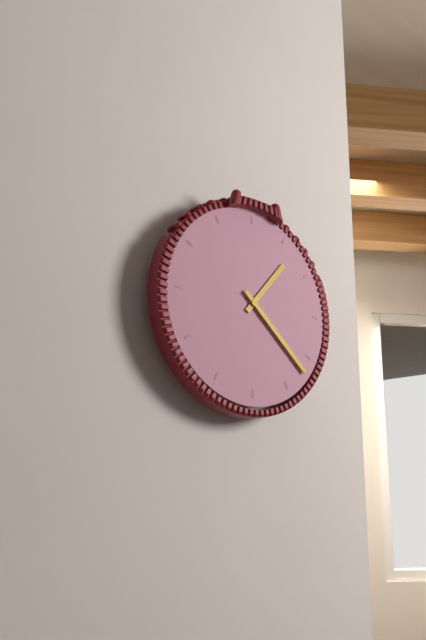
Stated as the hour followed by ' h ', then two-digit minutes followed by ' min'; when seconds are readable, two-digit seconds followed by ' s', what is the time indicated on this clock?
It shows 1 h 22 min
